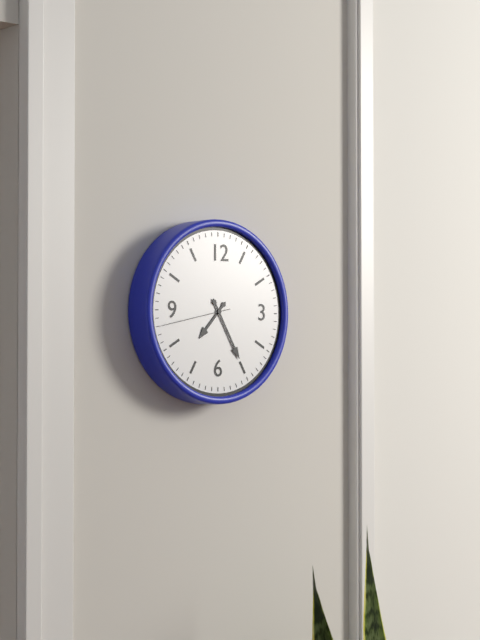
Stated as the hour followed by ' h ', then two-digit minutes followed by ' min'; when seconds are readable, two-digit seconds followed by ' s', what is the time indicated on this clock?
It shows 7 h 25 min 43 s
